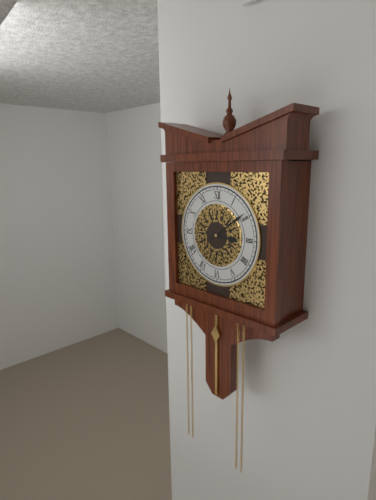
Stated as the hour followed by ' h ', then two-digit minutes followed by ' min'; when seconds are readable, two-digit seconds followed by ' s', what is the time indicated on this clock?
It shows 3 h 09 min
